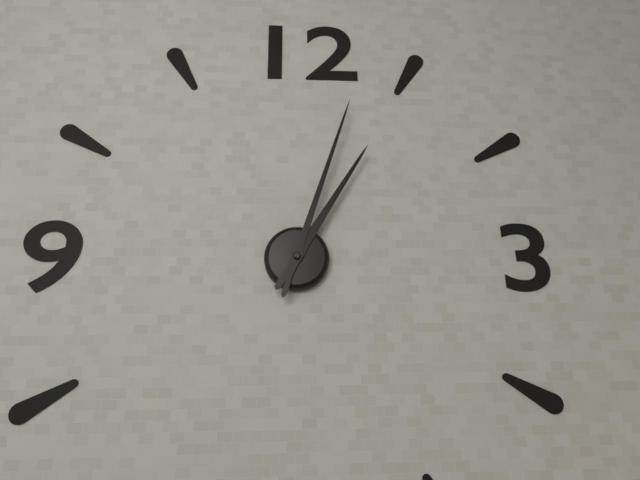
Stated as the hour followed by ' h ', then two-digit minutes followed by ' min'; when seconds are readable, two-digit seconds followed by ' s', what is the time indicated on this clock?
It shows 1 h 03 min
